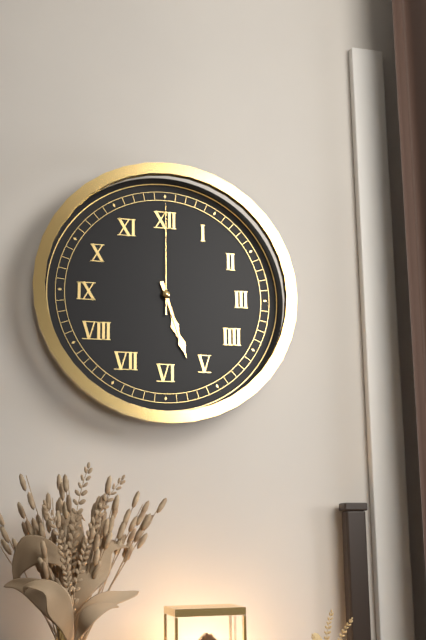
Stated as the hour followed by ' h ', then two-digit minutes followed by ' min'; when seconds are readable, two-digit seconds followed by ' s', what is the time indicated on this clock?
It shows 5 h 27 min 00 s
